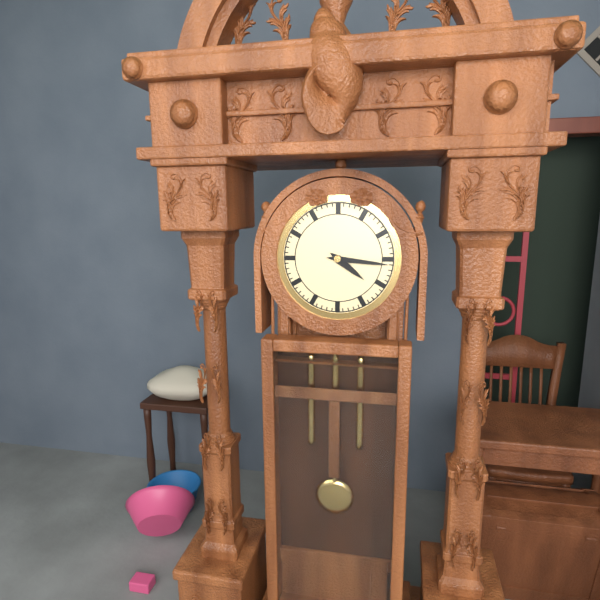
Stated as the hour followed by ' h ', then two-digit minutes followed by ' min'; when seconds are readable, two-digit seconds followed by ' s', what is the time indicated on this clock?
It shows 4 h 16 min
